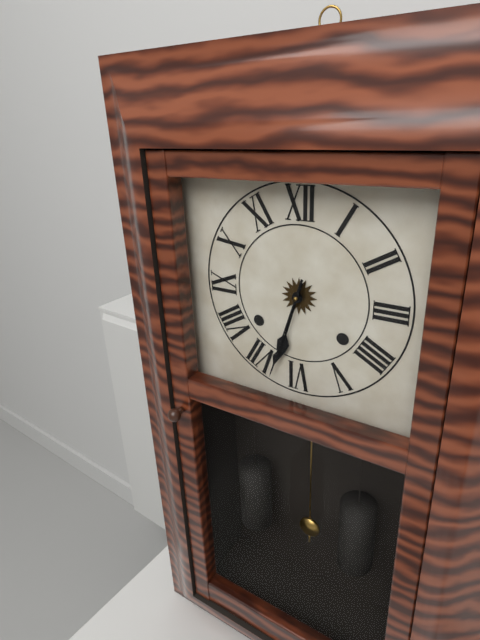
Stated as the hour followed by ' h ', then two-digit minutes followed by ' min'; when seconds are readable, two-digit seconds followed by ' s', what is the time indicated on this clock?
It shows 6 h 33 min
